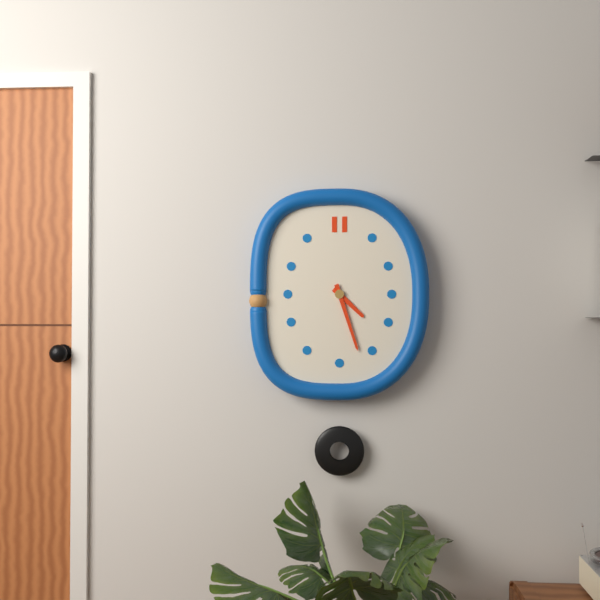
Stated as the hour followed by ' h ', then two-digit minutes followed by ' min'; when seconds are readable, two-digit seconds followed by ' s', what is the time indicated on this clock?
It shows 4 h 27 min
